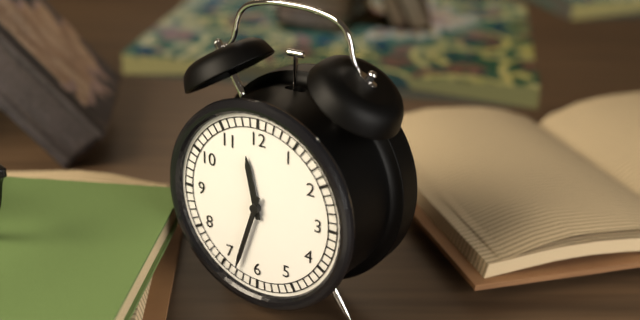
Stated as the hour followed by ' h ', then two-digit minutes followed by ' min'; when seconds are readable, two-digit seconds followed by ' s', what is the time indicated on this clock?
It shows 11 h 33 min
